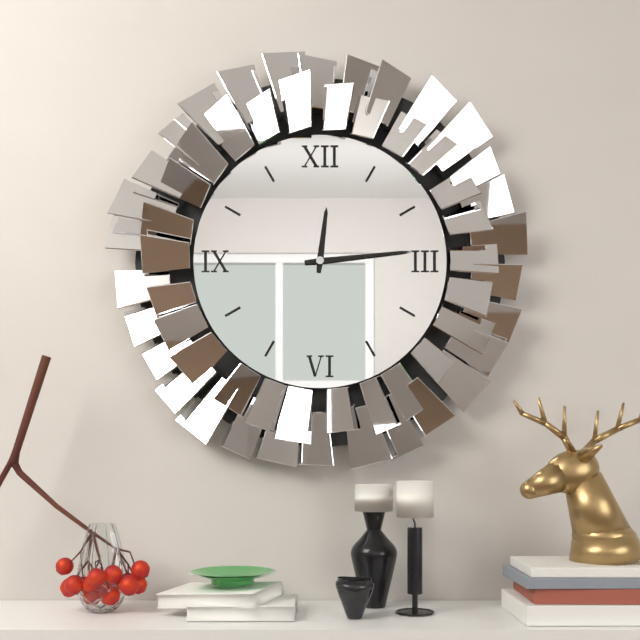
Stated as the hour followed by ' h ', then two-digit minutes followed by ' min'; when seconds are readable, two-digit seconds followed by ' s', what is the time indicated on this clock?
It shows 12 h 14 min
